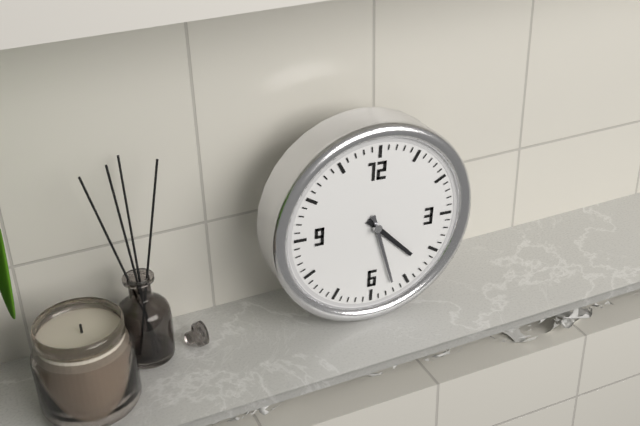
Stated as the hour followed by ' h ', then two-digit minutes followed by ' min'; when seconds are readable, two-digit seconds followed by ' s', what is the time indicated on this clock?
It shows 4 h 27 min
